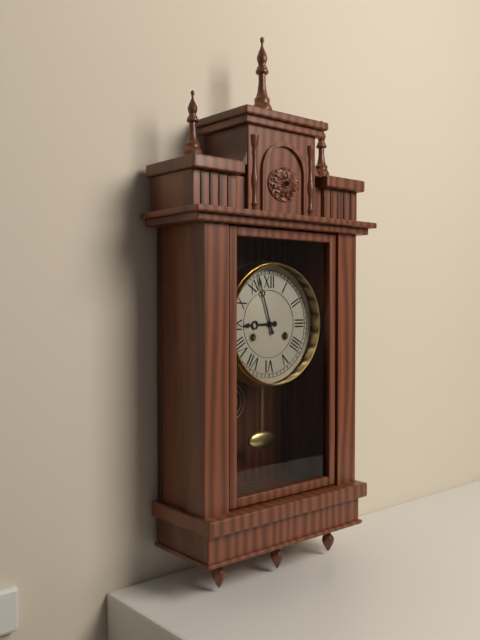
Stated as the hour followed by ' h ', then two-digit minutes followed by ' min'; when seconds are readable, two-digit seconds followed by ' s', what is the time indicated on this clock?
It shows 8 h 57 min
